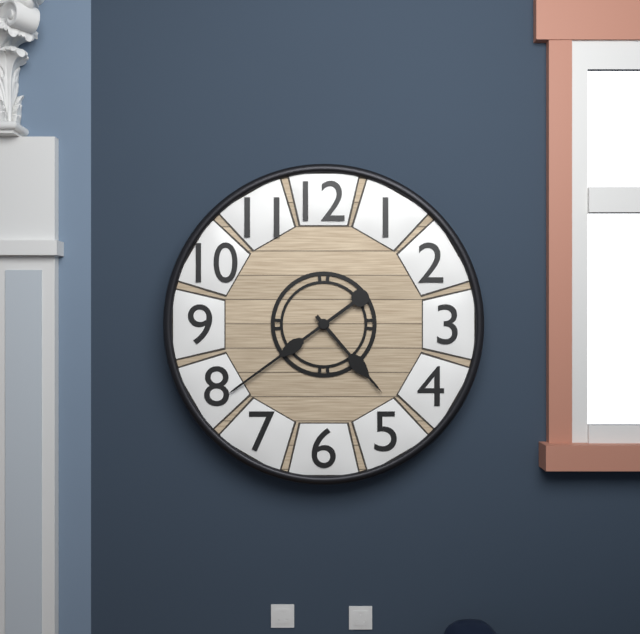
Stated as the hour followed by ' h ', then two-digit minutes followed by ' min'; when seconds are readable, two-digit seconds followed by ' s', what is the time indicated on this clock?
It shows 4 h 39 min
